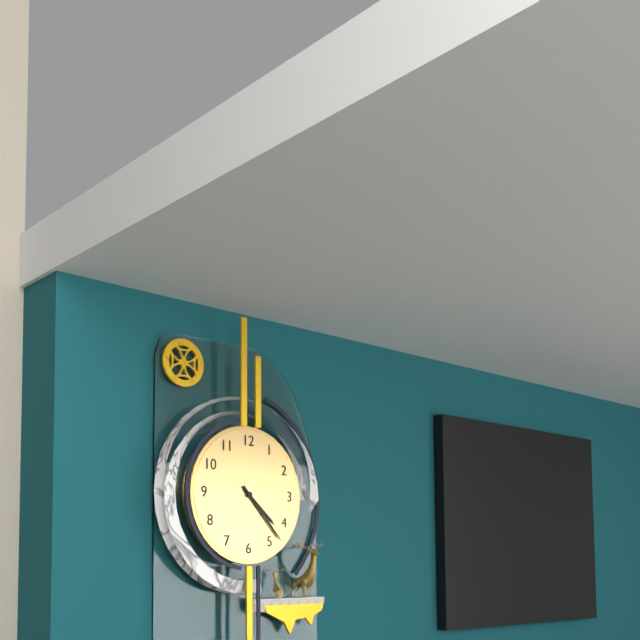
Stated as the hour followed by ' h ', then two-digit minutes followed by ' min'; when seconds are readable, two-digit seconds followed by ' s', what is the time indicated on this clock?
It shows 4 h 23 min
